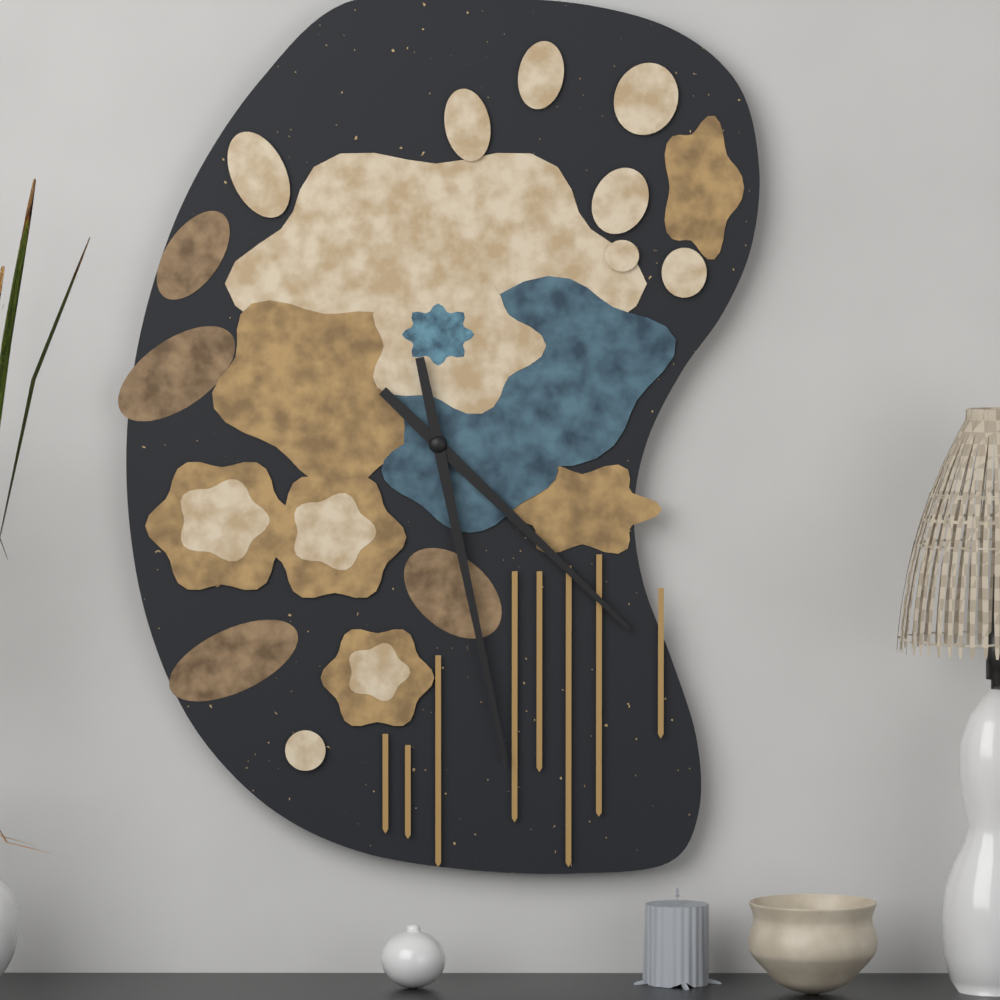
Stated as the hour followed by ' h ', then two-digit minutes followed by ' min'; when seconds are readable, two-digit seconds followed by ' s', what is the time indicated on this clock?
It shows 4 h 28 min
